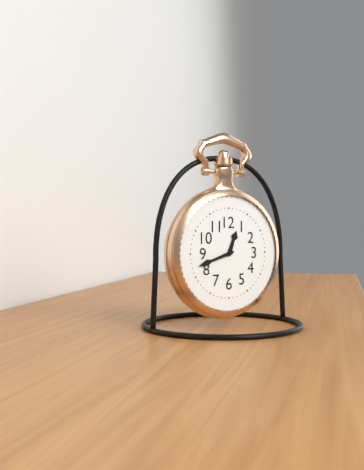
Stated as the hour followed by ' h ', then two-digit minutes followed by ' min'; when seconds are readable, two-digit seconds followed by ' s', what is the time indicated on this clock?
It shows 12 h 42 min
